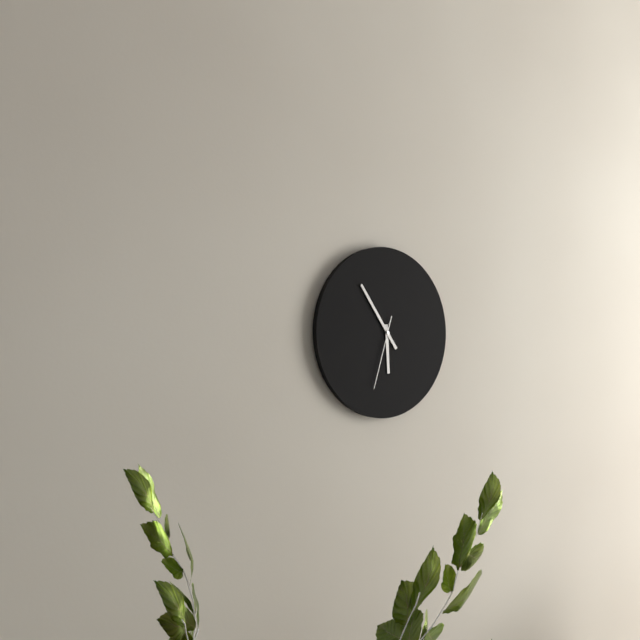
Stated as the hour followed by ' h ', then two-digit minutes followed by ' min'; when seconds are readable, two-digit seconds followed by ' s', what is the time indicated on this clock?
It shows 5 h 54 min 33 s
